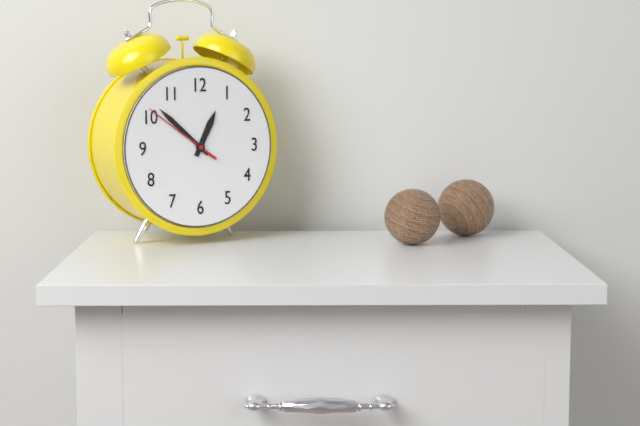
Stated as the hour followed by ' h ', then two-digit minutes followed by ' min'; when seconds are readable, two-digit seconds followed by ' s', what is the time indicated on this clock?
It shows 12 h 52 min 51 s
